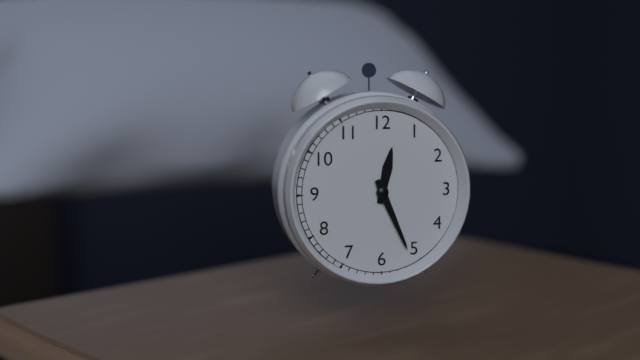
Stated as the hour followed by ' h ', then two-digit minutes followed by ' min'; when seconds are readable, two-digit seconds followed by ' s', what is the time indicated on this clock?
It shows 12 h 26 min
